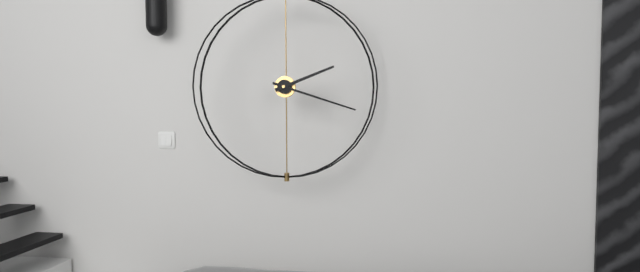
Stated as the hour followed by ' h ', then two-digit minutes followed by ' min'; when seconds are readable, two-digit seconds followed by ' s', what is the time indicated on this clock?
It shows 2 h 18 min
